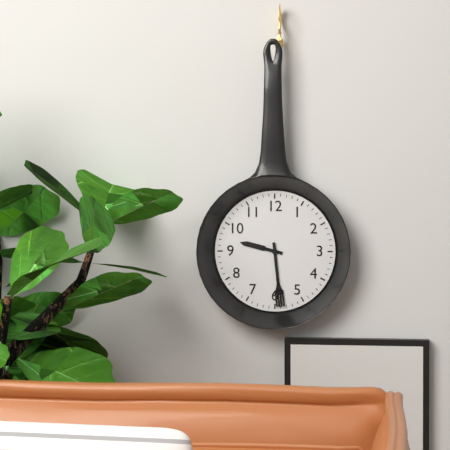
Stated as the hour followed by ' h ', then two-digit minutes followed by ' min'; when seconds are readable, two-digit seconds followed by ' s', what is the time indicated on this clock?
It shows 9 h 29 min
